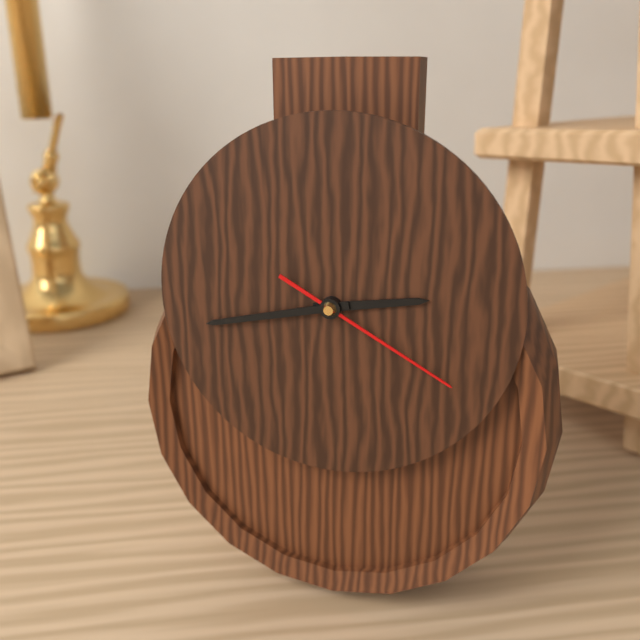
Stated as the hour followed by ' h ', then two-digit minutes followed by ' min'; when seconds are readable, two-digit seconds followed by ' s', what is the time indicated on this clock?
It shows 2 h 43 min 20 s
